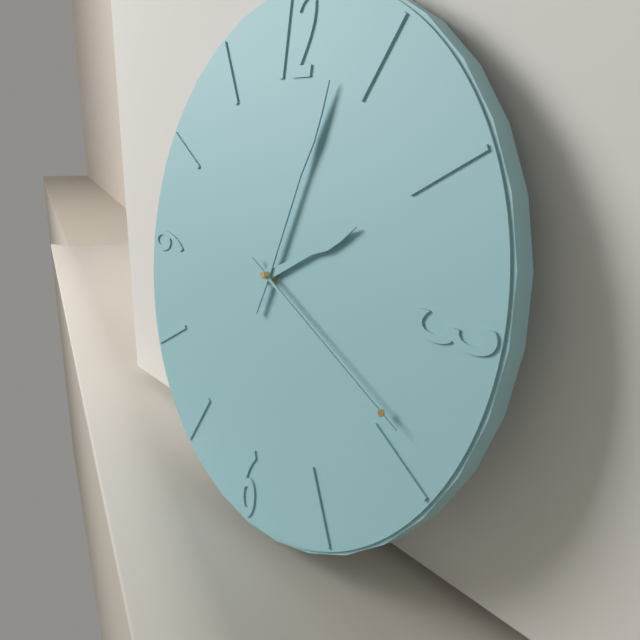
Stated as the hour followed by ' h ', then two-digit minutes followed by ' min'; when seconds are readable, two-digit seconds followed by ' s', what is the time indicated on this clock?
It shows 2 h 03 min 19 s
